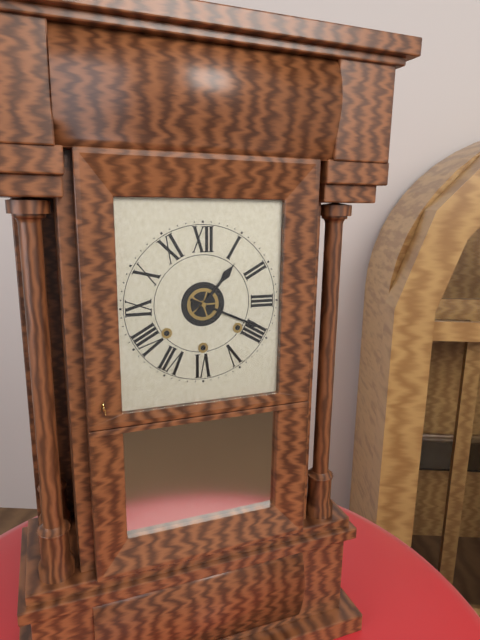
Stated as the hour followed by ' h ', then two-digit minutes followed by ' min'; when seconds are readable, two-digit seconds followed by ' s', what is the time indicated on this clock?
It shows 1 h 19 min
